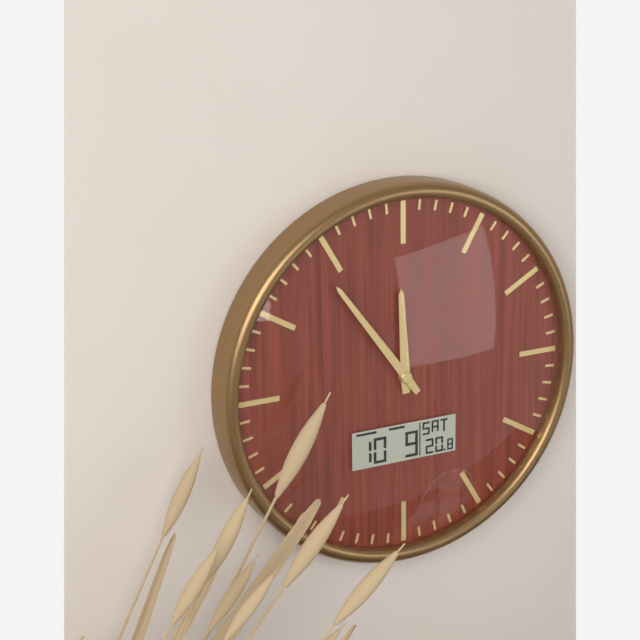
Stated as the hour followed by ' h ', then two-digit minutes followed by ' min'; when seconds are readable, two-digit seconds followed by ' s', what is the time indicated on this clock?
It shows 11 h 54 min
